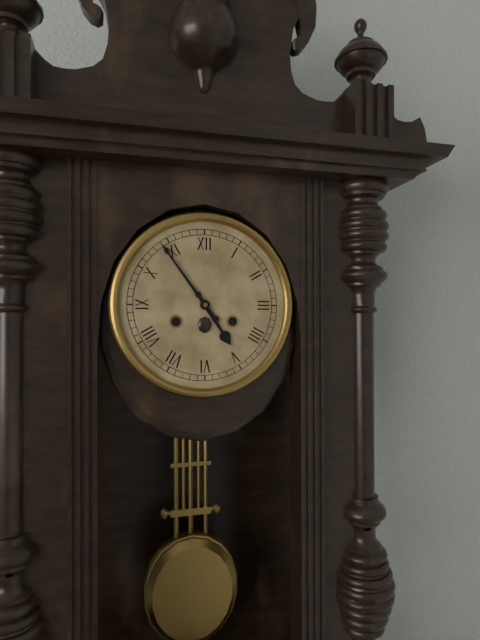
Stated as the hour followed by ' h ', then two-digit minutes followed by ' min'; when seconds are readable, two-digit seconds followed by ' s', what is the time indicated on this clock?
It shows 4 h 54 min
